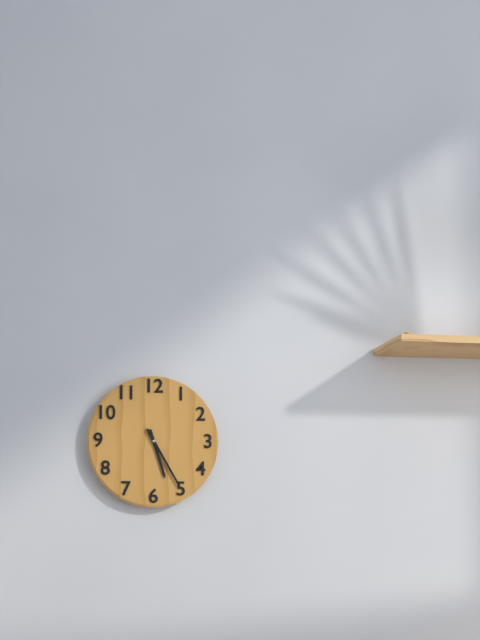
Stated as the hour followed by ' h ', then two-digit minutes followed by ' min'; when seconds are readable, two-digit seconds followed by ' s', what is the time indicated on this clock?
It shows 5 h 25 min
